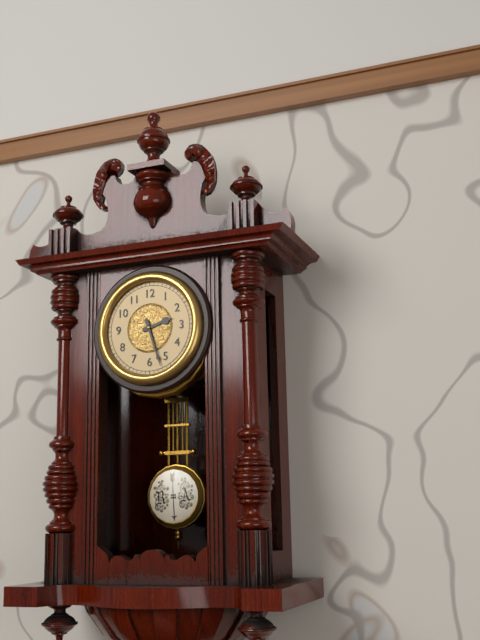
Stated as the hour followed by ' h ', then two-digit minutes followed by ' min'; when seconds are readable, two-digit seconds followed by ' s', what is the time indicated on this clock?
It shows 2 h 27 min
